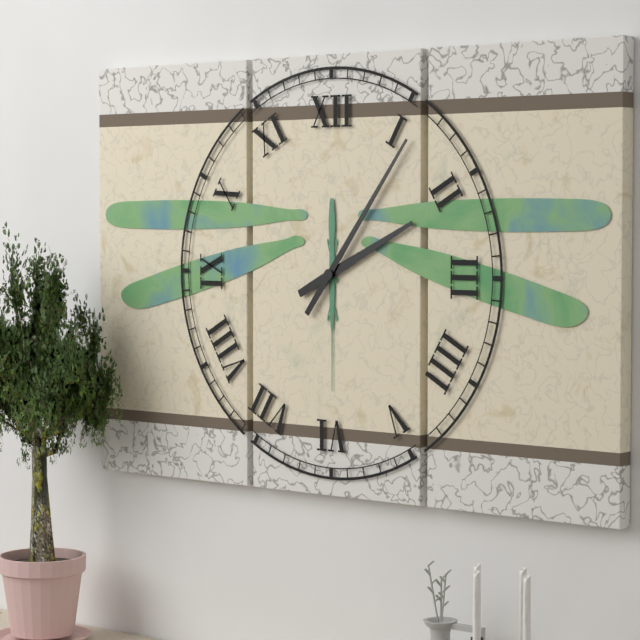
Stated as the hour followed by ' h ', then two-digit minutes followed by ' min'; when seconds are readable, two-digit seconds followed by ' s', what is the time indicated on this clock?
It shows 2 h 06 min
